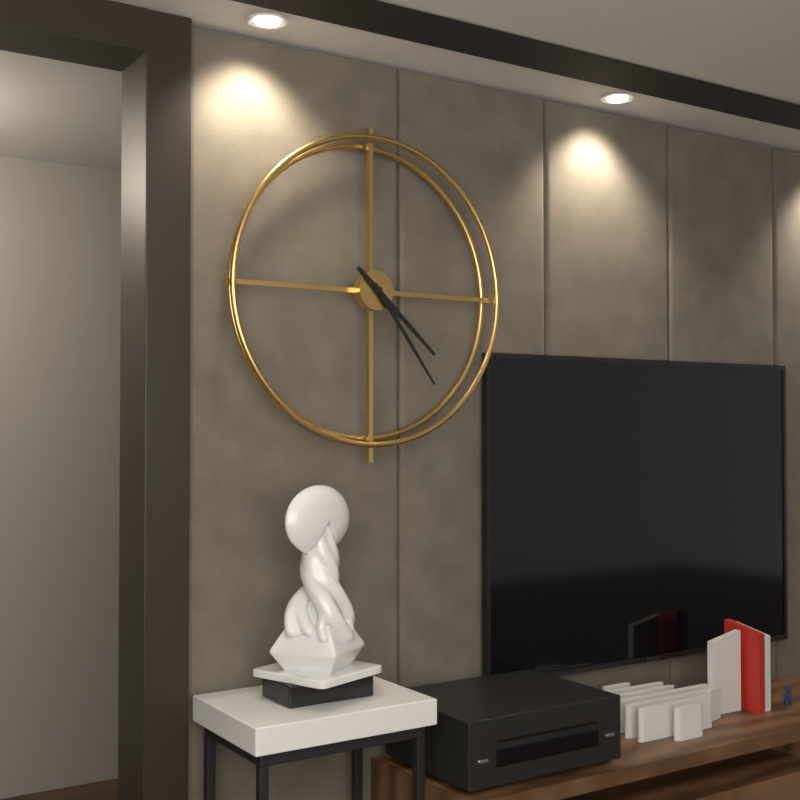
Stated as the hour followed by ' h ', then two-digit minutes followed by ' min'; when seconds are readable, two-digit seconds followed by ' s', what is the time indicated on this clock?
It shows 4 h 24 min
